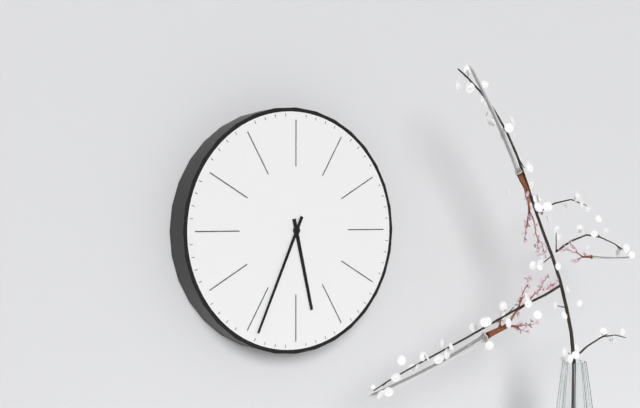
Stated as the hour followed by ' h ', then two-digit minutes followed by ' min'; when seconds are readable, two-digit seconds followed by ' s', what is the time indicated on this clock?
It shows 5 h 34 min
